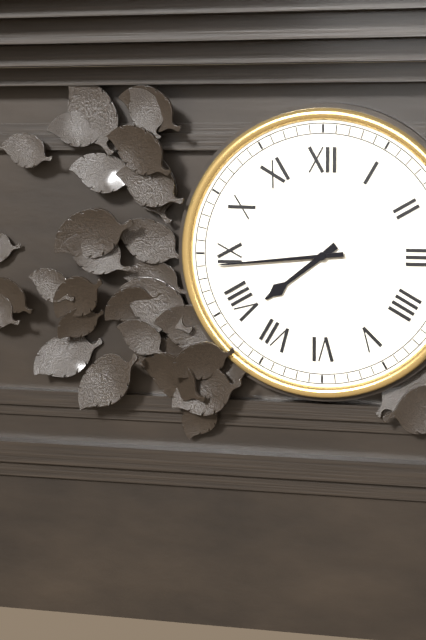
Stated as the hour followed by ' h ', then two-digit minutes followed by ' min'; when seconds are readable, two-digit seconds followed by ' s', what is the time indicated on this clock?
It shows 7 h 44 min
